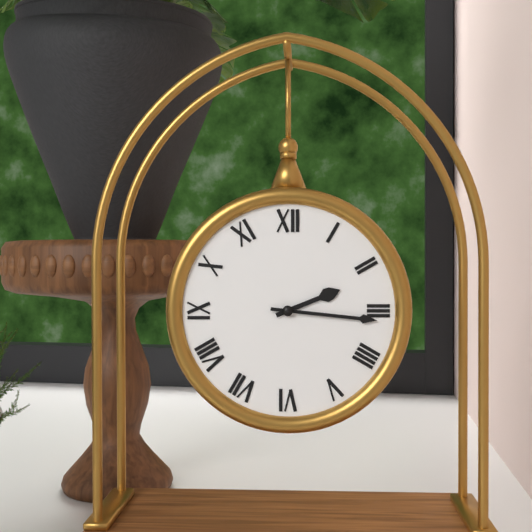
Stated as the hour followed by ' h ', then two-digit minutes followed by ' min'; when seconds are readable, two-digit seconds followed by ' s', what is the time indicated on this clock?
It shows 2 h 16 min
